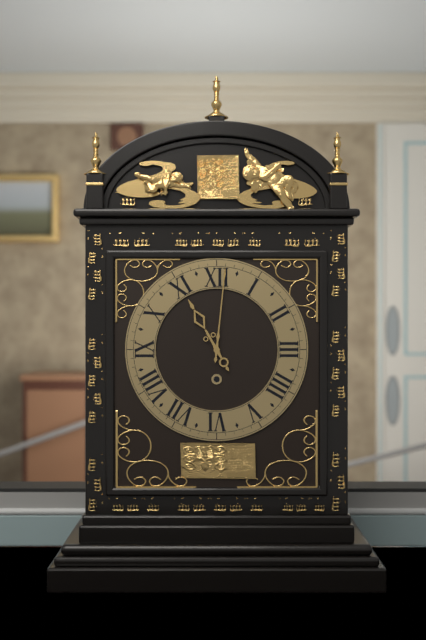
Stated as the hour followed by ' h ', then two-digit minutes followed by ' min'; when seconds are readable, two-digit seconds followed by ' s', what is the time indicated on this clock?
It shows 11 h 01 min
